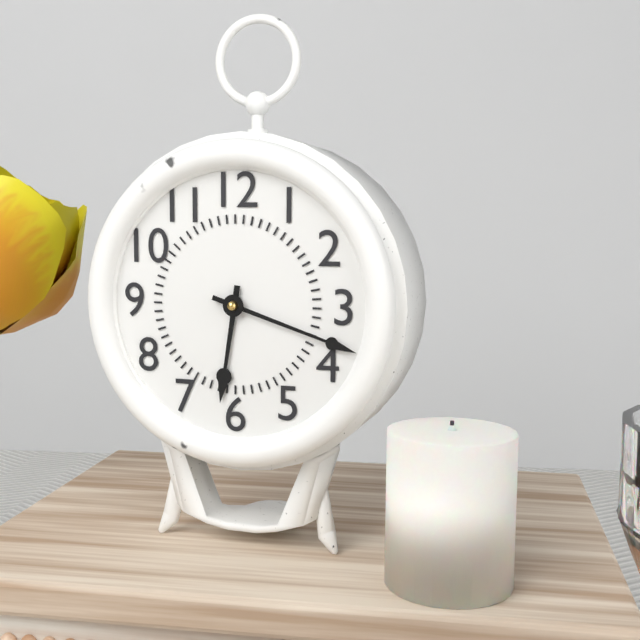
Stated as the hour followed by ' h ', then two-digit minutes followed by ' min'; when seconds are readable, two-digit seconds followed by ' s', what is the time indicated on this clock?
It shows 6 h 18 min
